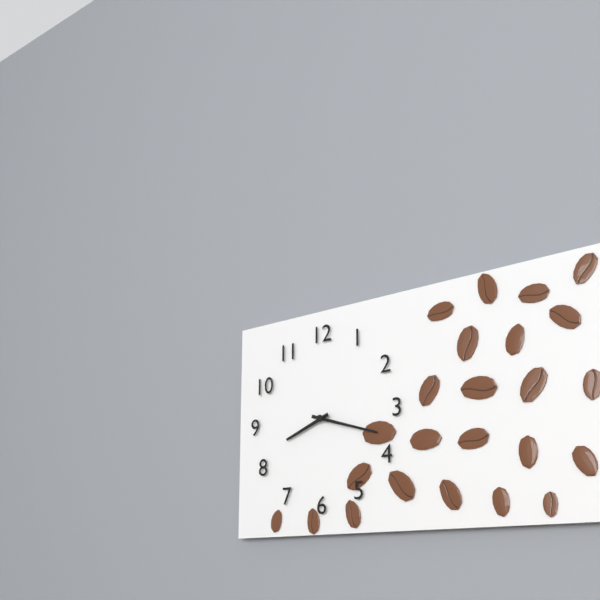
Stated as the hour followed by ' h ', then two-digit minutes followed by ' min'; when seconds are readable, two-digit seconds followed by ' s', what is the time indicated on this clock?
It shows 8 h 18 min
